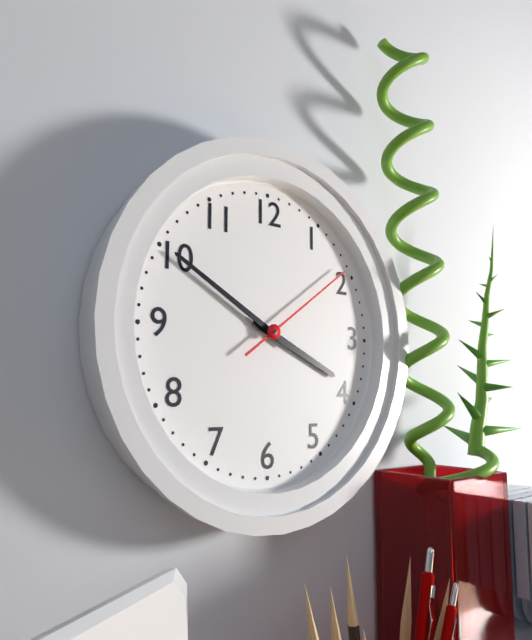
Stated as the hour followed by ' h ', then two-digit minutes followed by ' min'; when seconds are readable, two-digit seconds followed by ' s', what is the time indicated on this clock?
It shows 3 h 50 min 09 s
